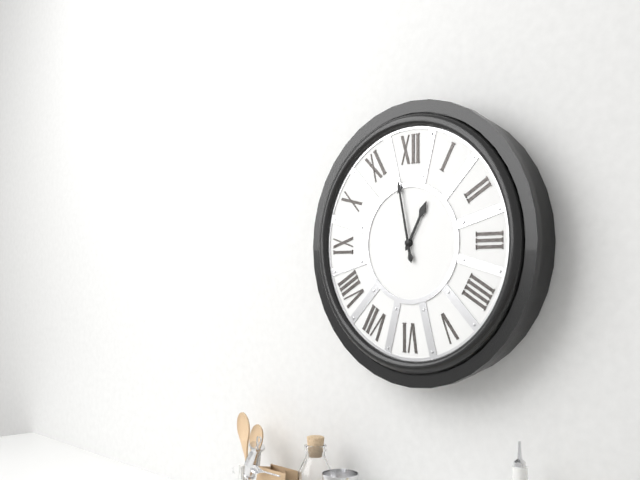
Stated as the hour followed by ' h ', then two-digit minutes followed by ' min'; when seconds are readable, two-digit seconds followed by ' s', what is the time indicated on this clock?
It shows 12 h 58 min
